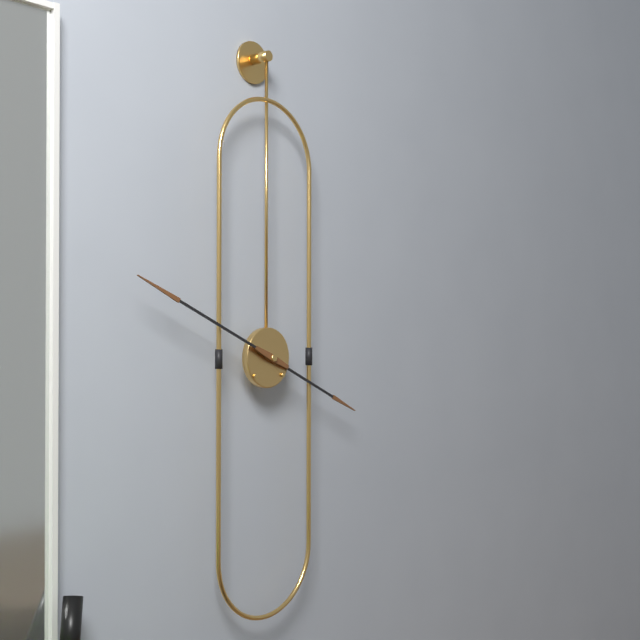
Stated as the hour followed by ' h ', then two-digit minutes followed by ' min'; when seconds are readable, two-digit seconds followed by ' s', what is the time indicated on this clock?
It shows 3 h 49 min
